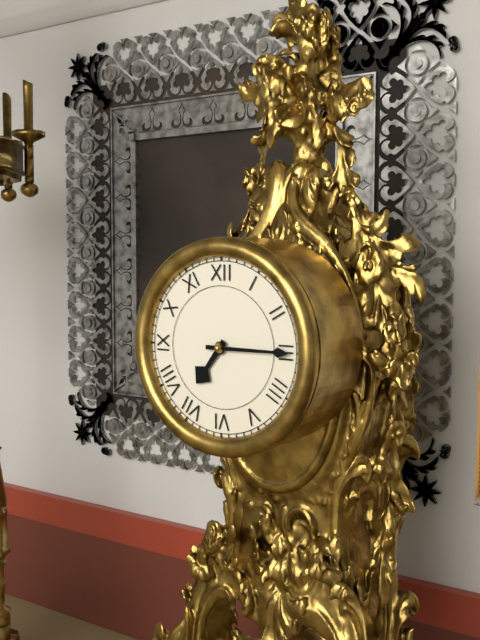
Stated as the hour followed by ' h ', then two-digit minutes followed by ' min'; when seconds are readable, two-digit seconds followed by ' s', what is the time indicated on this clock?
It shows 7 h 15 min
